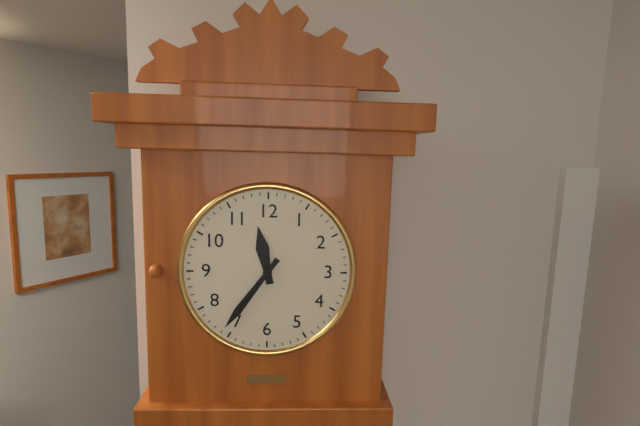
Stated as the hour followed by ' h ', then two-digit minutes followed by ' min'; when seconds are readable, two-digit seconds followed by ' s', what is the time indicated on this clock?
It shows 11 h 36 min
